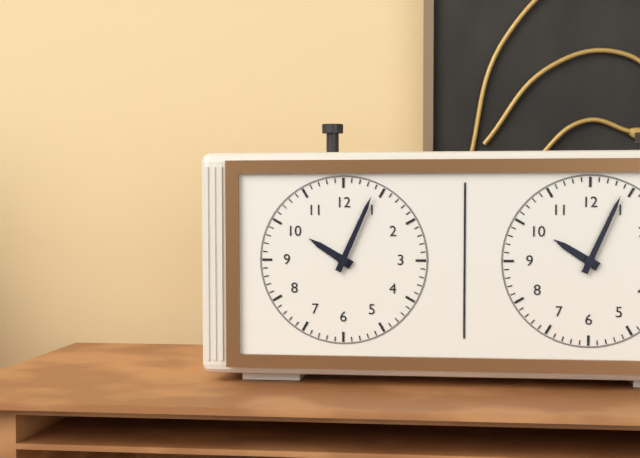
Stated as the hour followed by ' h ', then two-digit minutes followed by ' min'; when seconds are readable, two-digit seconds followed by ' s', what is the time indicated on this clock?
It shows 10 h 04 min
